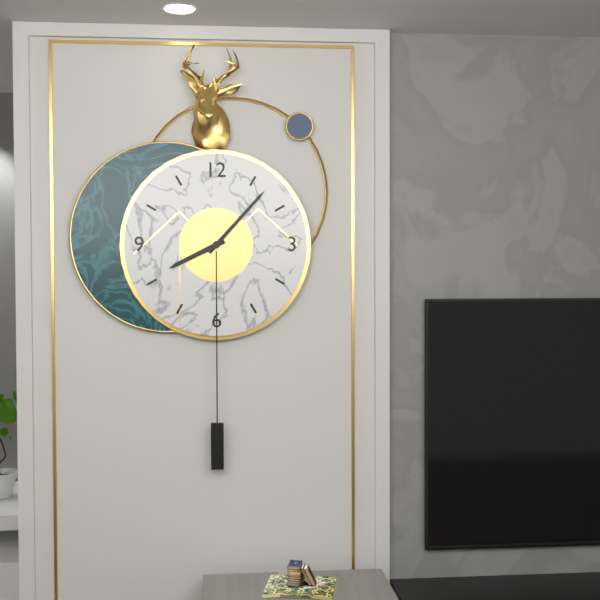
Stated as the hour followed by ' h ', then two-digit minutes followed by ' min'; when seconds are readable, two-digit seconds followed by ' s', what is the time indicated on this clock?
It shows 8 h 07 min
